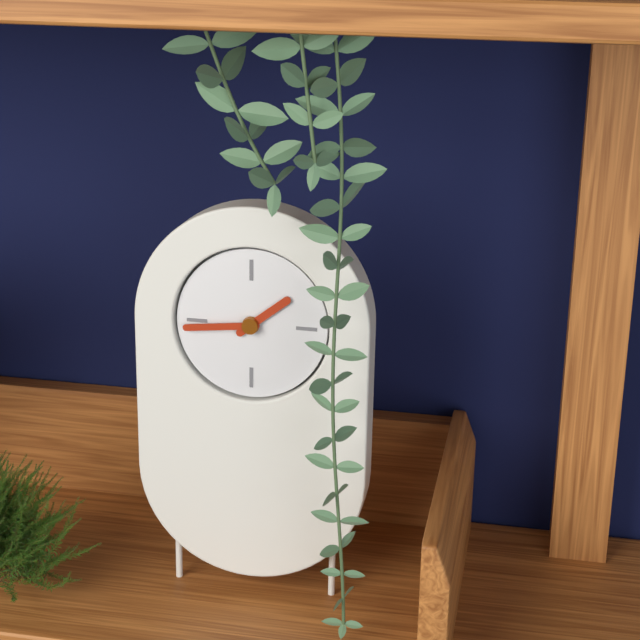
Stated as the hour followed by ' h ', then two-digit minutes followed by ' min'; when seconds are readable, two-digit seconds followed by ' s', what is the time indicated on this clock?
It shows 1 h 44 min
